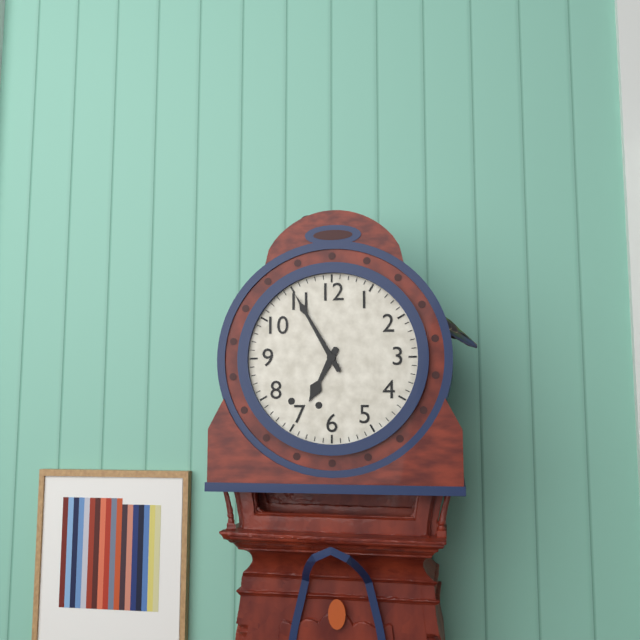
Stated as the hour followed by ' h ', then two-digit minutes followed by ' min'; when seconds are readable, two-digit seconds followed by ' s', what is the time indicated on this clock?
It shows 6 h 55 min
